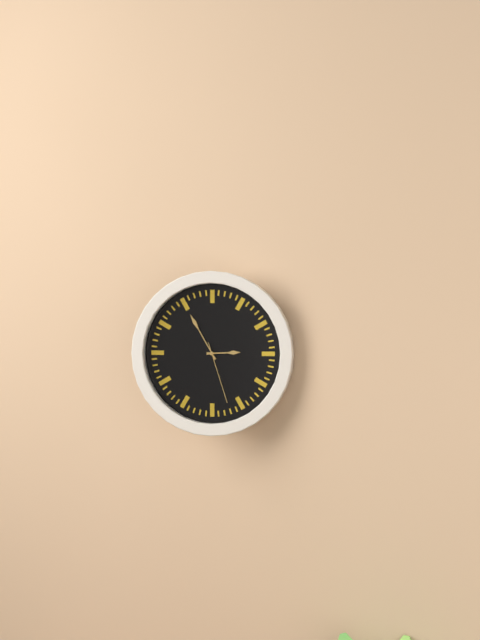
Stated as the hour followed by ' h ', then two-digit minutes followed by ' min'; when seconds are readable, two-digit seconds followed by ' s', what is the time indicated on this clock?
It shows 2 h 55 min 27 s
